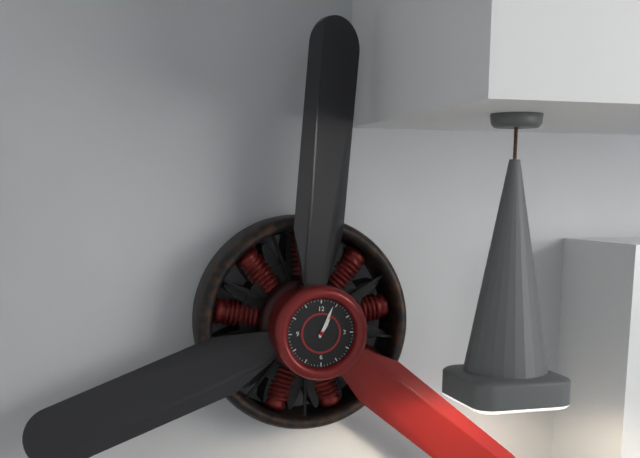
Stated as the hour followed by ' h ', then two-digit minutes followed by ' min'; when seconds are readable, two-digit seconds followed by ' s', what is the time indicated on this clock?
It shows 1 h 04 min
